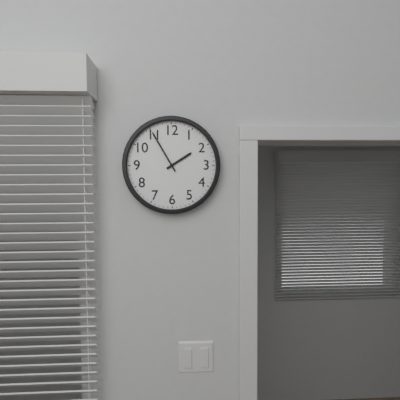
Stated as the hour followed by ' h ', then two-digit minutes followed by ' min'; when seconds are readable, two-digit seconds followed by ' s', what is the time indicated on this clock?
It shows 1 h 55 min
